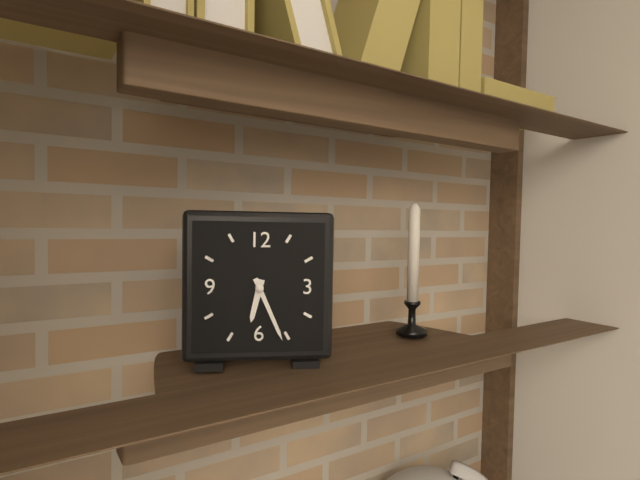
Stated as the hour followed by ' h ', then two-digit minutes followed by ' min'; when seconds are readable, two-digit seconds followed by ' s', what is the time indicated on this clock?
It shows 6 h 26 min
